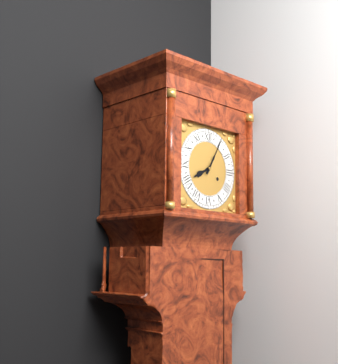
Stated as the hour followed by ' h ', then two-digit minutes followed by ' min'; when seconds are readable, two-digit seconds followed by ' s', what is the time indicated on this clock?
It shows 8 h 05 min
